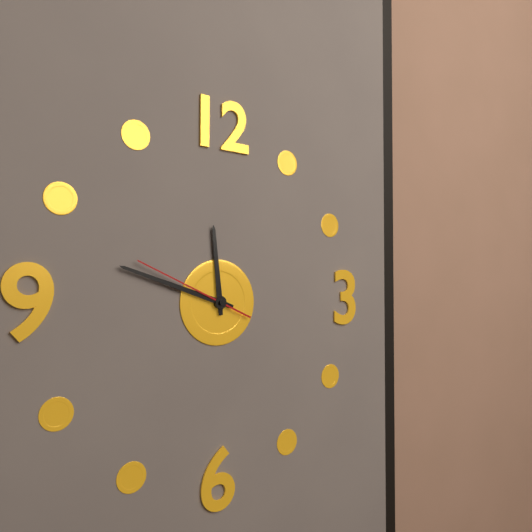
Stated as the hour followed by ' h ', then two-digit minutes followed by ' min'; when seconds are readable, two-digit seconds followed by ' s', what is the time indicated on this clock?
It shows 11 h 48 min 49 s
